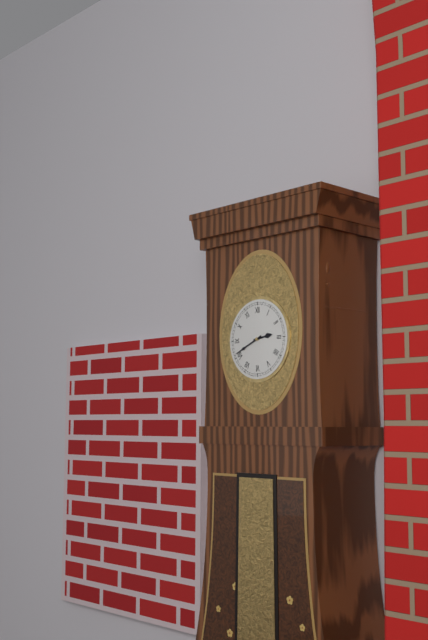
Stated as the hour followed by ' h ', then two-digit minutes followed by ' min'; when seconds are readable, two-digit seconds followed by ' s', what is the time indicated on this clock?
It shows 2 h 41 min
